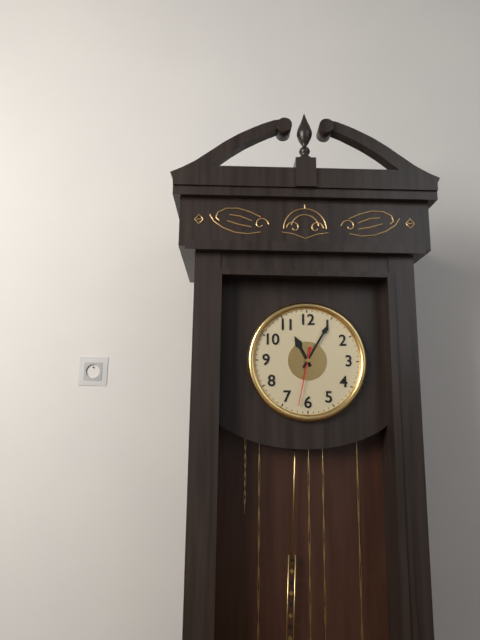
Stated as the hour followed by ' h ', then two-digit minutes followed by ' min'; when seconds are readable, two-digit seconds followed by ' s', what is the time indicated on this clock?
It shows 11 h 05 min 32 s
